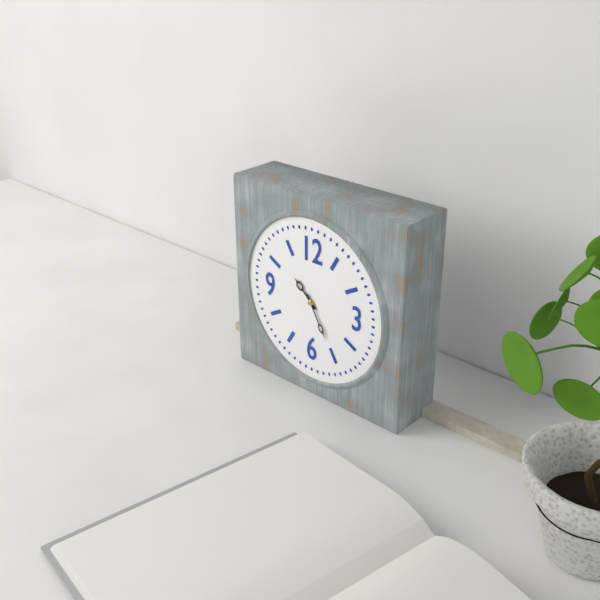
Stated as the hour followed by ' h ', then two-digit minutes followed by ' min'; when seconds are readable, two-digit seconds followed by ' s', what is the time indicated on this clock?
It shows 10 h 25 min
